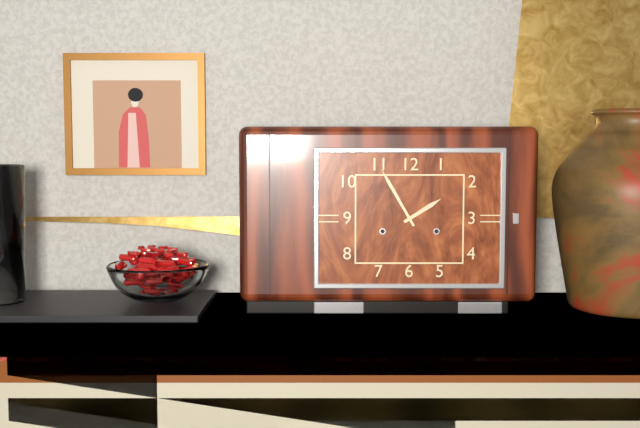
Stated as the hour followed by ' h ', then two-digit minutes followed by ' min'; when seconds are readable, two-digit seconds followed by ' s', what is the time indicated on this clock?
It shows 1 h 55 min
